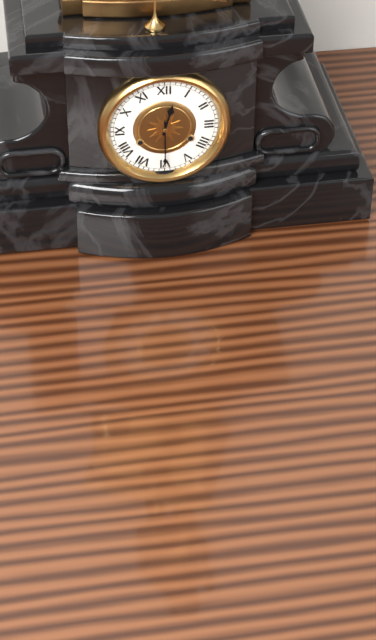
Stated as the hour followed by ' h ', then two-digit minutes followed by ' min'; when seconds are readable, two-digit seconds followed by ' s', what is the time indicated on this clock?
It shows 12 h 30 min
